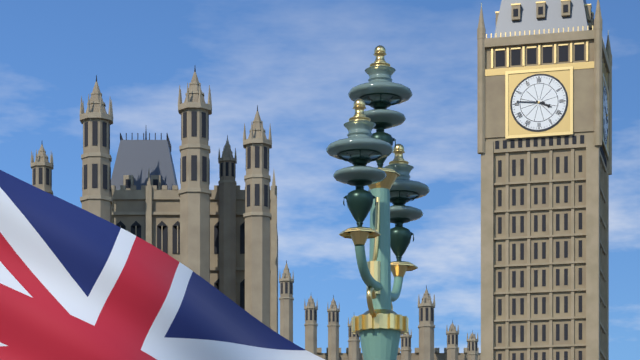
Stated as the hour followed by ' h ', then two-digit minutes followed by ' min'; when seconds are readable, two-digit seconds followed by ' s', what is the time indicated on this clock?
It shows 3 h 46 min
